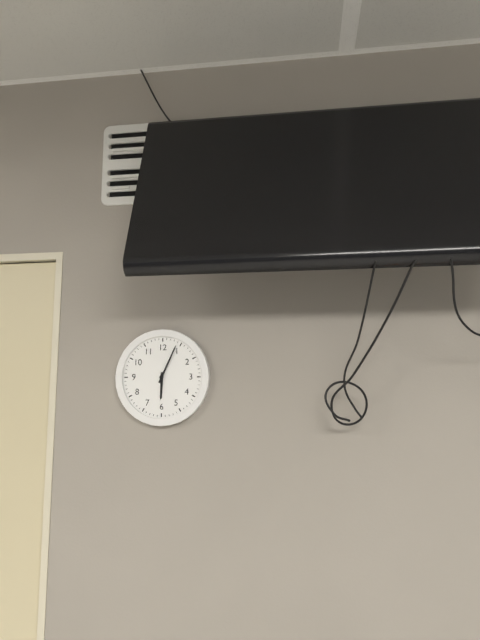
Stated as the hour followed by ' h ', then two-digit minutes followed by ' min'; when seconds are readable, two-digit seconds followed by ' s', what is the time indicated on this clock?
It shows 6 h 04 min
